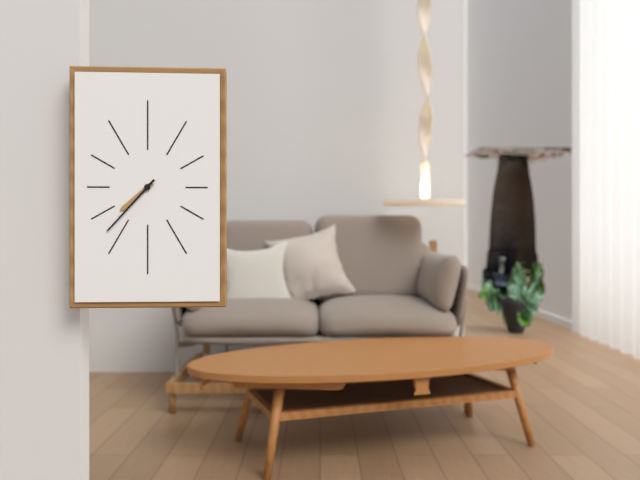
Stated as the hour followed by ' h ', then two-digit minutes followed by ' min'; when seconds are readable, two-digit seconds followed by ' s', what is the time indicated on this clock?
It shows 7 h 37 min
